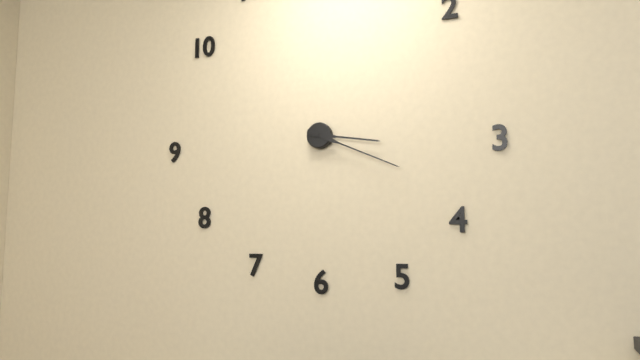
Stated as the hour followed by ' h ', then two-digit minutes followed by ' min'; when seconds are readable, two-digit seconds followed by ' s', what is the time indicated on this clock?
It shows 3 h 19 min
